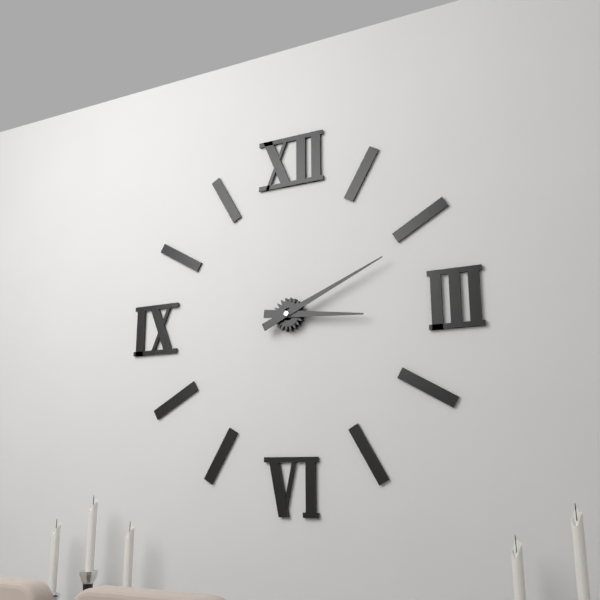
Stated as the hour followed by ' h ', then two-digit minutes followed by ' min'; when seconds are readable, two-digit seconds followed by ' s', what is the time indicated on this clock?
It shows 3 h 11 min
